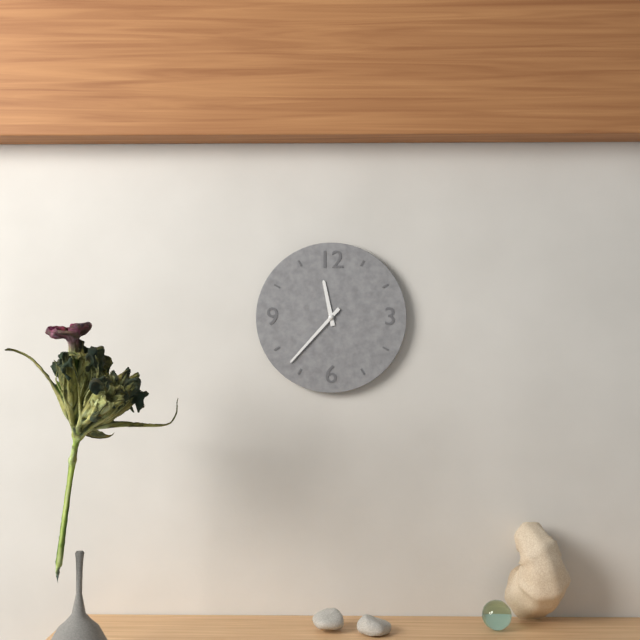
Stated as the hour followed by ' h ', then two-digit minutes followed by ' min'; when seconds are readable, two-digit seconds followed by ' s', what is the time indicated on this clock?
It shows 11 h 37 min
